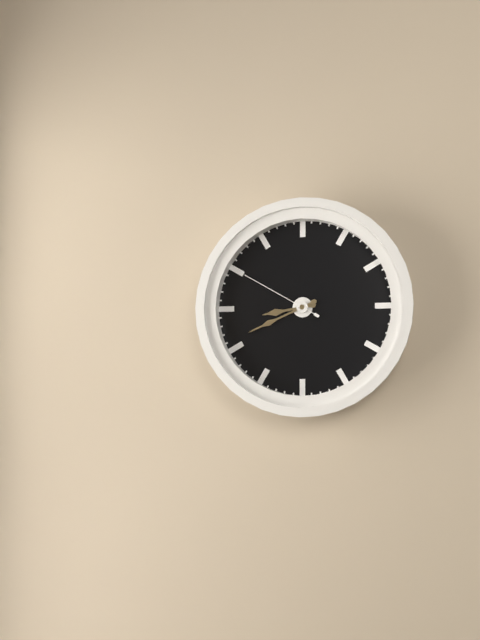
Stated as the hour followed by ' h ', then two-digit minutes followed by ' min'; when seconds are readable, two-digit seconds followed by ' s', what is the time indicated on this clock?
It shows 8 h 41 min 50 s
